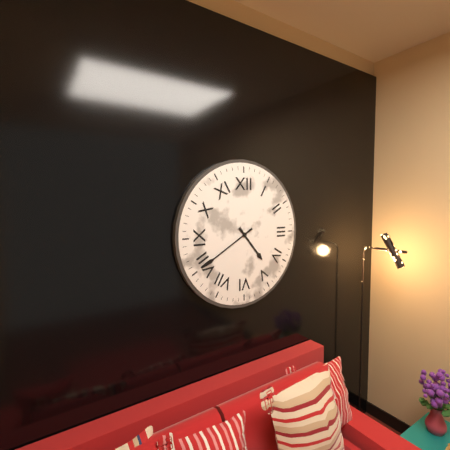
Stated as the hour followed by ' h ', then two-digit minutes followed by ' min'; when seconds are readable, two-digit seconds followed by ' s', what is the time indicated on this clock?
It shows 4 h 40 min
